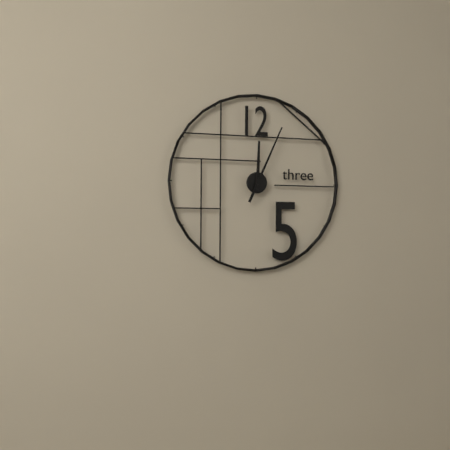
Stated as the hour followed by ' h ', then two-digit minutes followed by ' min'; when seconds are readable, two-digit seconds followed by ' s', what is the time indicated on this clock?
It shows 12 h 04 min
